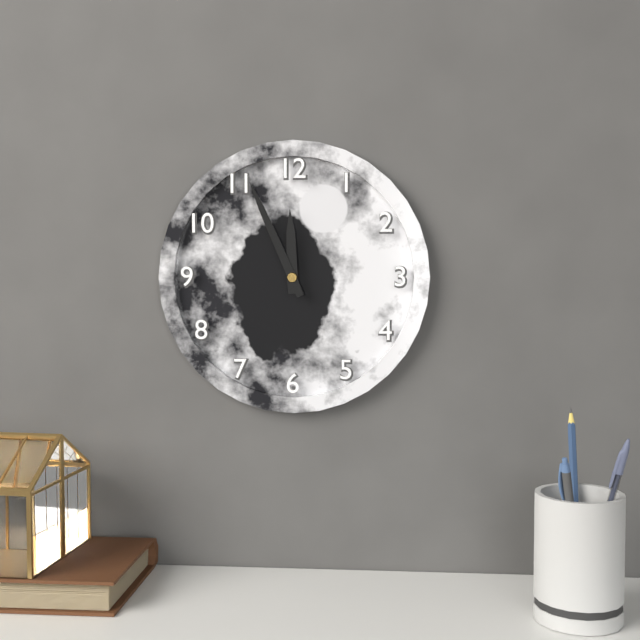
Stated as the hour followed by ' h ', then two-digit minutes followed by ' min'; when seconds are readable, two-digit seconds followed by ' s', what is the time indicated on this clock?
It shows 11 h 56 min
